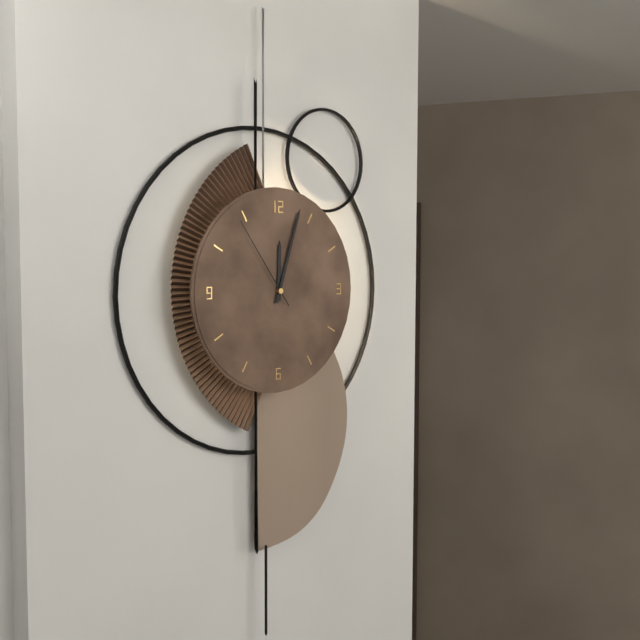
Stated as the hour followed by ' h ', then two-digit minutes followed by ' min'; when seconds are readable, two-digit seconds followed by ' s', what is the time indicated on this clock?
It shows 12 h 03 min 54 s
